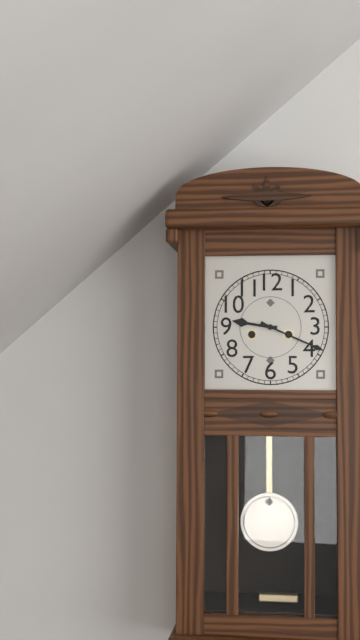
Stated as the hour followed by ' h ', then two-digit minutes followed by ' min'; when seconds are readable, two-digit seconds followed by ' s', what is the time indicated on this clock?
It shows 9 h 19 min
